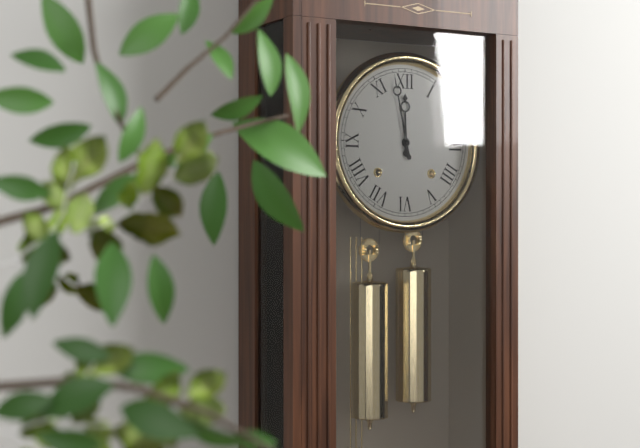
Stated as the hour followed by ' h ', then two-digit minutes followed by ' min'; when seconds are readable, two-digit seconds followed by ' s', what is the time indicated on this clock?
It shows 11 h 58 min
